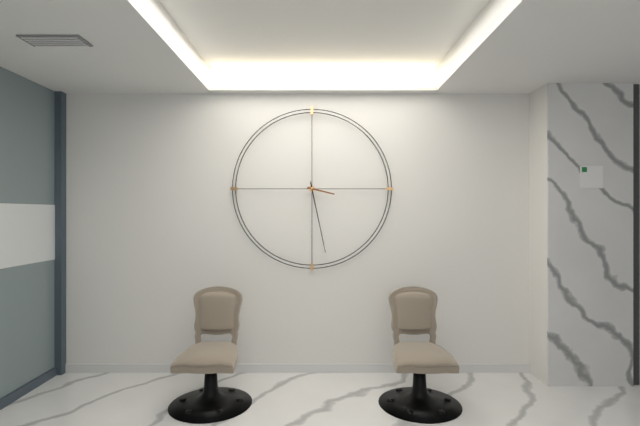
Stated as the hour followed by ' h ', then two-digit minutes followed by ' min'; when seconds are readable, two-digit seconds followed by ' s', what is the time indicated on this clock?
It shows 3 h 28 min
